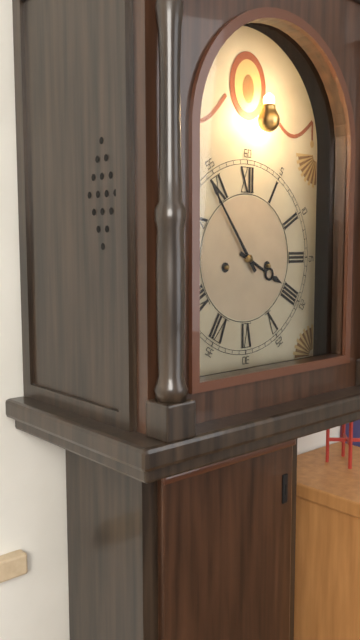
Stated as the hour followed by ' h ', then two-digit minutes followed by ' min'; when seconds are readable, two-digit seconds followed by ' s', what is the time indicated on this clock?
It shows 3 h 54 min
